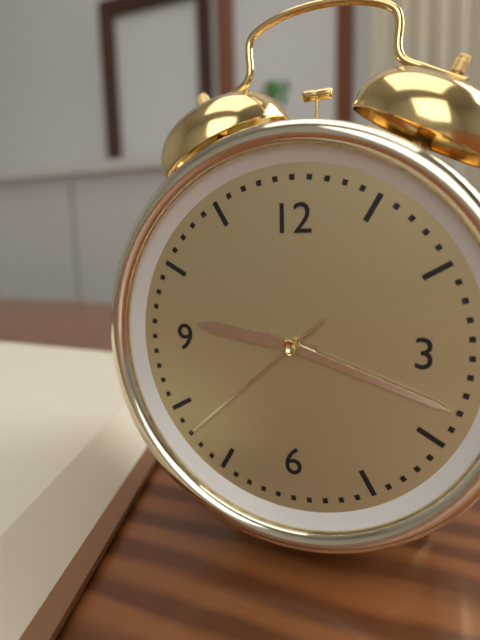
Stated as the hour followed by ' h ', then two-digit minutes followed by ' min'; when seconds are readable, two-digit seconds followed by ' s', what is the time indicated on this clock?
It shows 9 h 18 min 38 s
